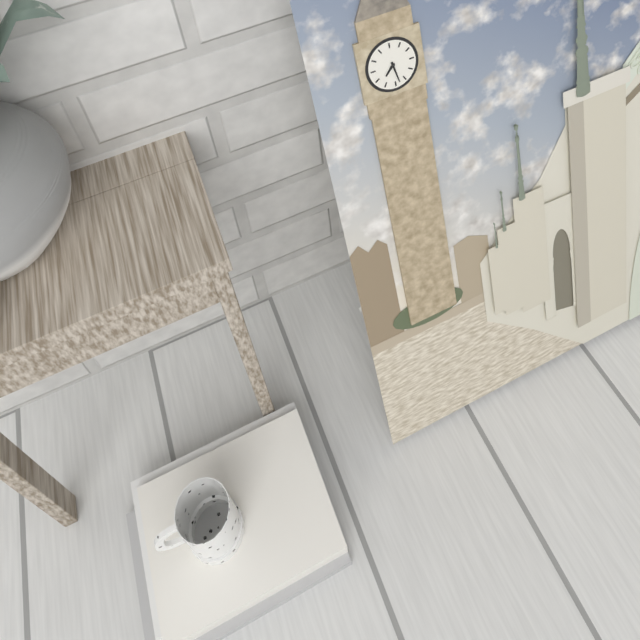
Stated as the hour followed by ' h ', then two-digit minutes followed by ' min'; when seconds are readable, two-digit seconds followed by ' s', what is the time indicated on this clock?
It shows 7 h 28 min
